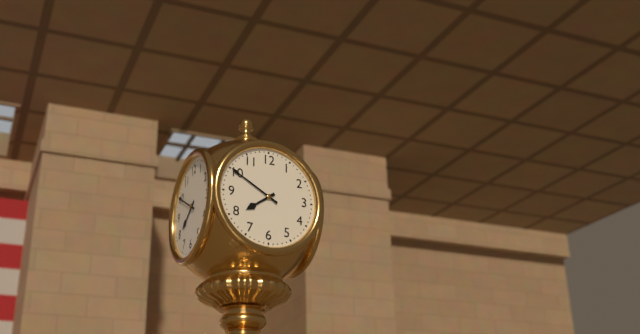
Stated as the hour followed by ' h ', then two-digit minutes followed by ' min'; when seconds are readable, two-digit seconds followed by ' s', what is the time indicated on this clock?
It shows 7 h 50 min
